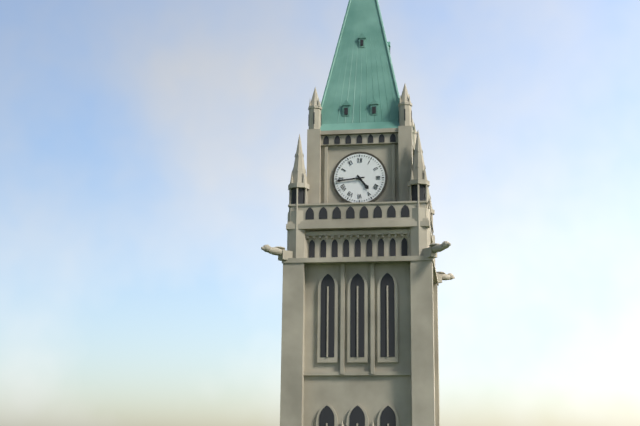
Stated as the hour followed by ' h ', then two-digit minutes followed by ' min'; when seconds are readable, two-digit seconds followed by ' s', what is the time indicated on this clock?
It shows 4 h 44 min
